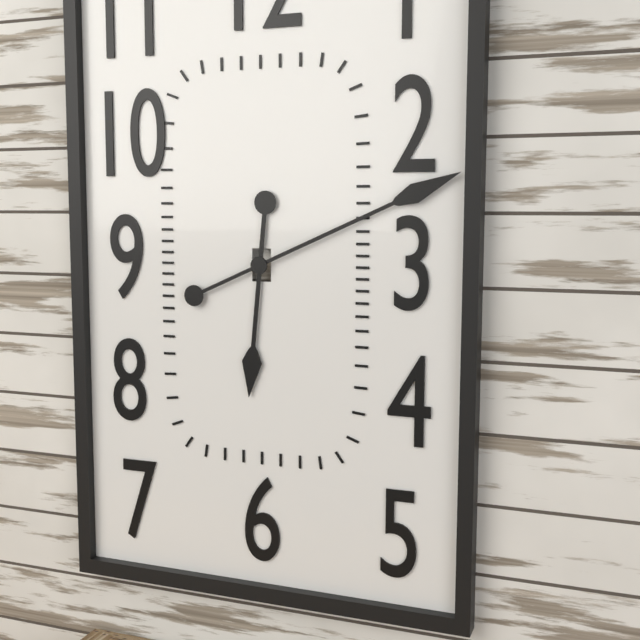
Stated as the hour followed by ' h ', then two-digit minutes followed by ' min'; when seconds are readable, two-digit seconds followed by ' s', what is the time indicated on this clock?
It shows 6 h 11 min
